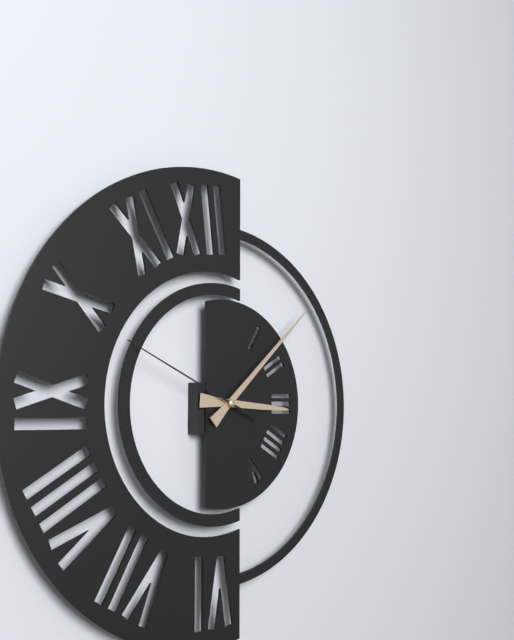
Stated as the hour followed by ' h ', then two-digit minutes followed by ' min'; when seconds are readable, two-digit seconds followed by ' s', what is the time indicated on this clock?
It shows 3 h 08 min 49 s
